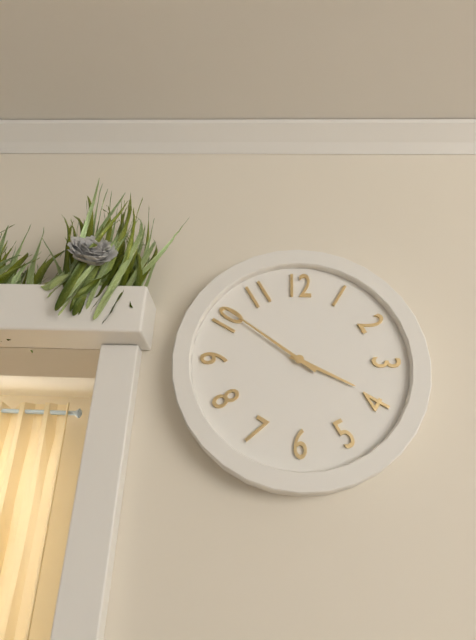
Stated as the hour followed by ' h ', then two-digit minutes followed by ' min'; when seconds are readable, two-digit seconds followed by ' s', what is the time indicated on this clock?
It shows 3 h 51 min
